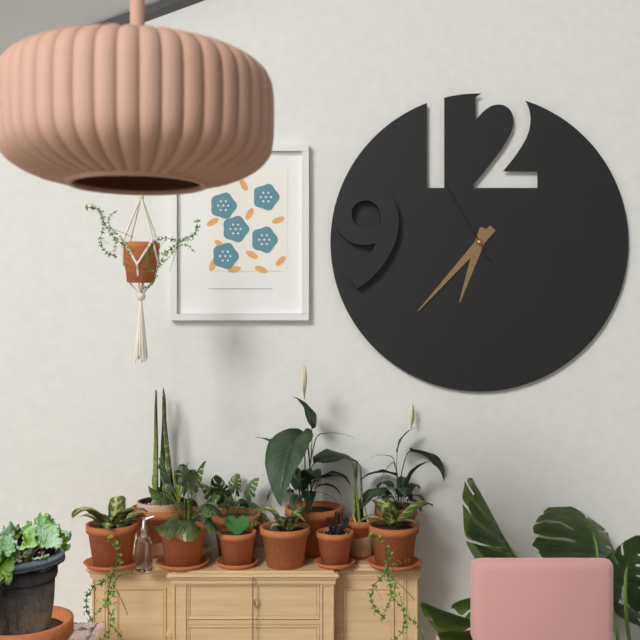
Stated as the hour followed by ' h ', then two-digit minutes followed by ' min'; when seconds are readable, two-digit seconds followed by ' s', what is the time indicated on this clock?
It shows 6 h 37 min 55 s
